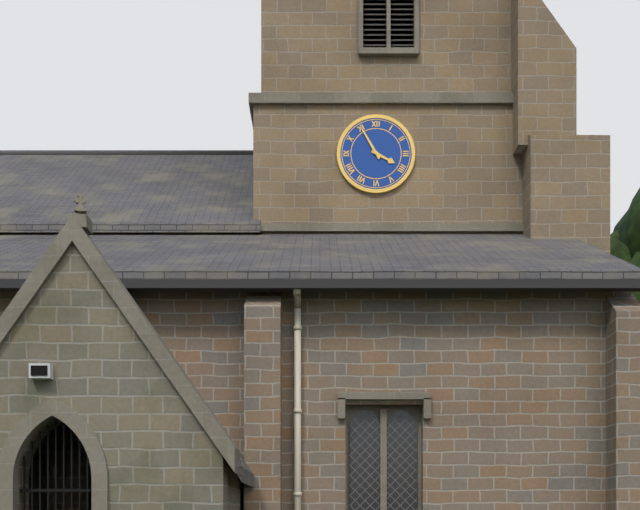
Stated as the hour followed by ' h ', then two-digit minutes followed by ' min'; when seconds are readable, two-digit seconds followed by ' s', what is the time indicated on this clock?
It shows 3 h 55 min
